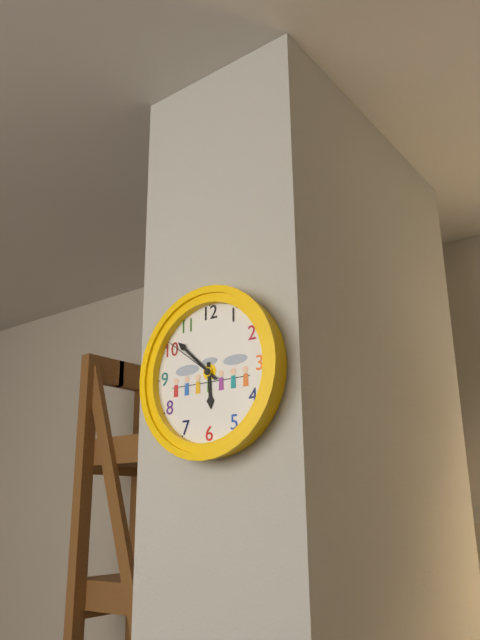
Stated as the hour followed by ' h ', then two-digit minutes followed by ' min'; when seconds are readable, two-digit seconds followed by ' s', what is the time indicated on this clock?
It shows 5 h 52 min 51 s
